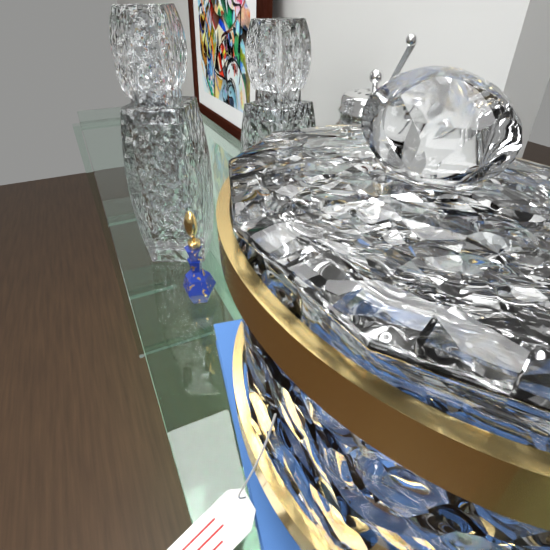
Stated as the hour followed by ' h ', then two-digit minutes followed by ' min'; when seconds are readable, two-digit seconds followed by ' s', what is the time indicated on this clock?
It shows 10 h 14 min
